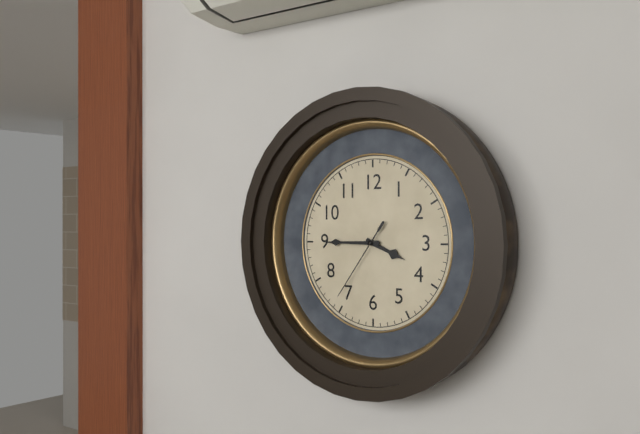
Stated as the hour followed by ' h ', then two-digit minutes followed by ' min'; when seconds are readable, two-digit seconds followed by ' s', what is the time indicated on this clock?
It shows 3 h 45 min 36 s
